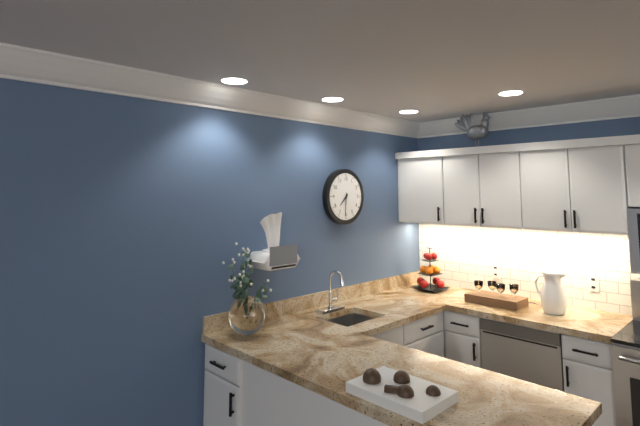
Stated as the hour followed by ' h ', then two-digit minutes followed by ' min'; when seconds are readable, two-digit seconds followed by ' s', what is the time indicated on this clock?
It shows 7 h 31 min
